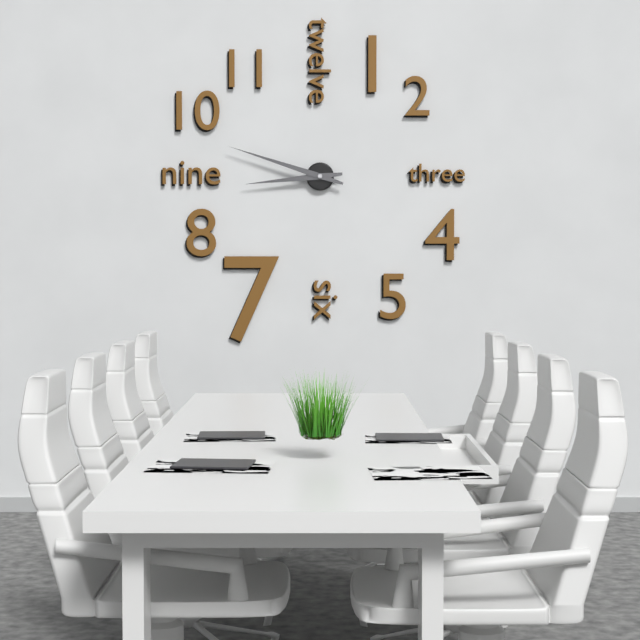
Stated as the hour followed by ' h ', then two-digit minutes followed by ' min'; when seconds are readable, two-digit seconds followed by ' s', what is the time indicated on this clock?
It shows 8 h 48 min
